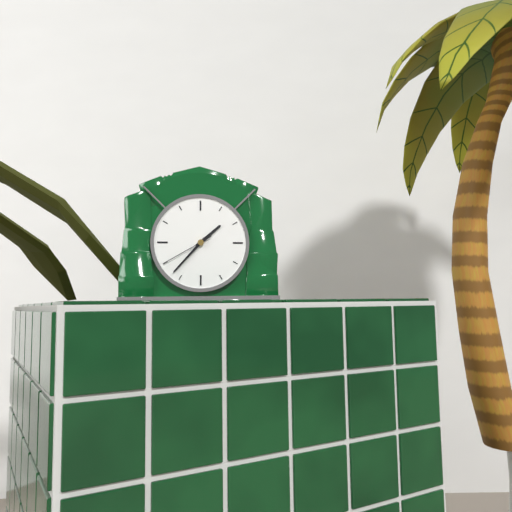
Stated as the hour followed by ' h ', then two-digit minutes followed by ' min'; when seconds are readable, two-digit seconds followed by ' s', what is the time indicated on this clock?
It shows 1 h 37 min 40 s
